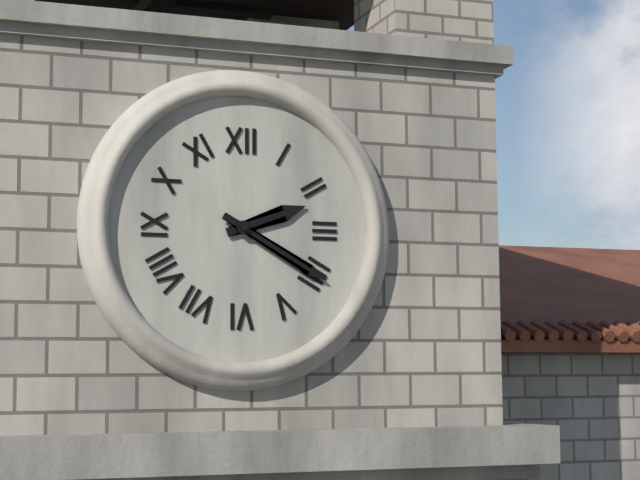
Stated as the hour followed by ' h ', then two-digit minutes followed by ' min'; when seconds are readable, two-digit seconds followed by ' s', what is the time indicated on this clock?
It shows 2 h 20 min
